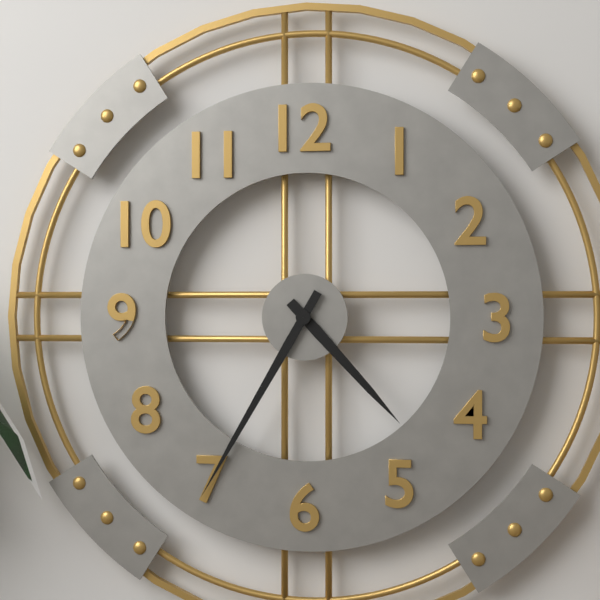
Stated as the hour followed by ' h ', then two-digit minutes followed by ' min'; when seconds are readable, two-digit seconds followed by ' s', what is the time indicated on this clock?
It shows 4 h 35 min
